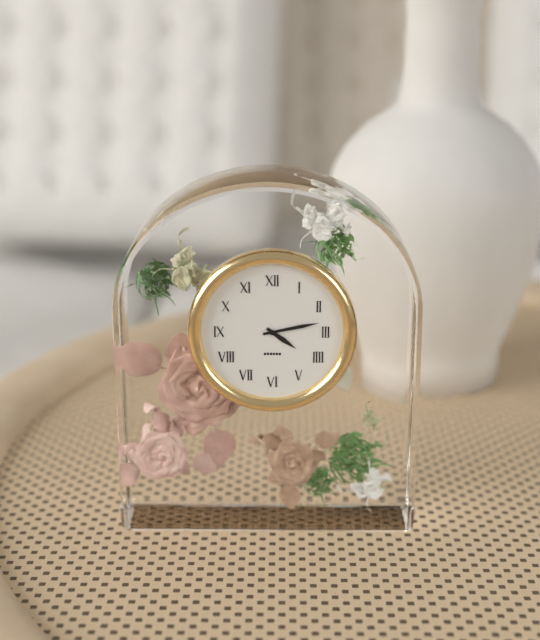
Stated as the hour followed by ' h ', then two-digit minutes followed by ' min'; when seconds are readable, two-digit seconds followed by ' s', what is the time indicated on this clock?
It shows 4 h 13 min
